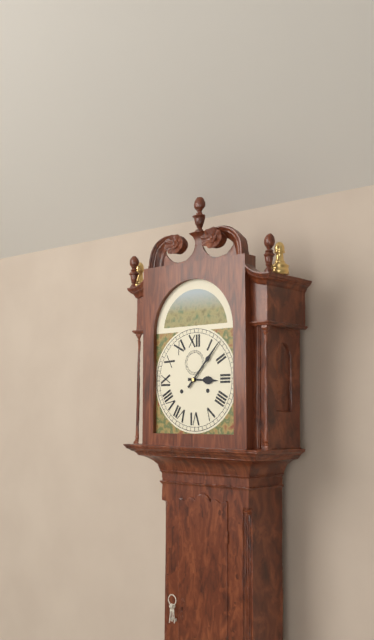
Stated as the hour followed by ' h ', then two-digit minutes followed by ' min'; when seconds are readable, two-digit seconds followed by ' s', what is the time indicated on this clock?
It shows 3 h 07 min
